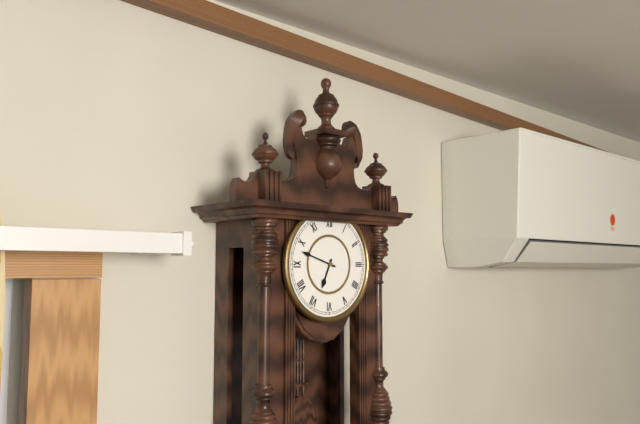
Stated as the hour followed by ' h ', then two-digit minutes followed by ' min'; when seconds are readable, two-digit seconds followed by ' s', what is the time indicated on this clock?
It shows 6 h 48 min
